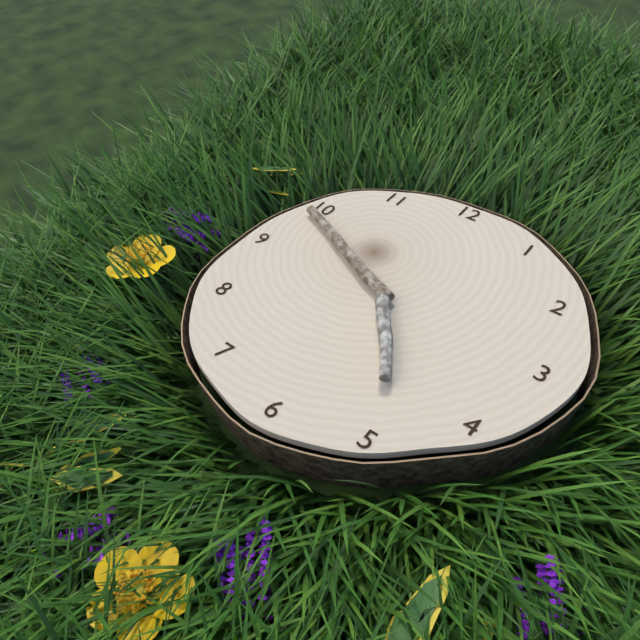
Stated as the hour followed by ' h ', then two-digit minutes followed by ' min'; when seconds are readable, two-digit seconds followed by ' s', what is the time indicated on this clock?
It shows 4 h 49 min
